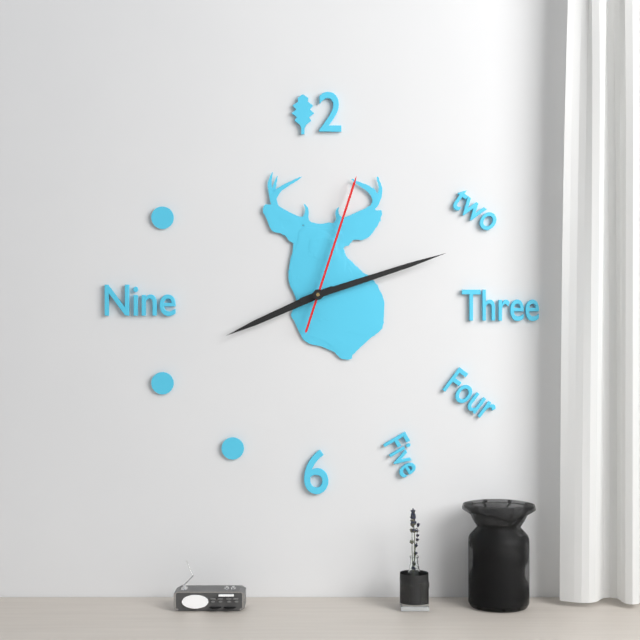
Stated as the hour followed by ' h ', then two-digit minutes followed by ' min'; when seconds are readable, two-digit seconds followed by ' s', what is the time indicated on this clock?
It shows 8 h 12 min 03 s
